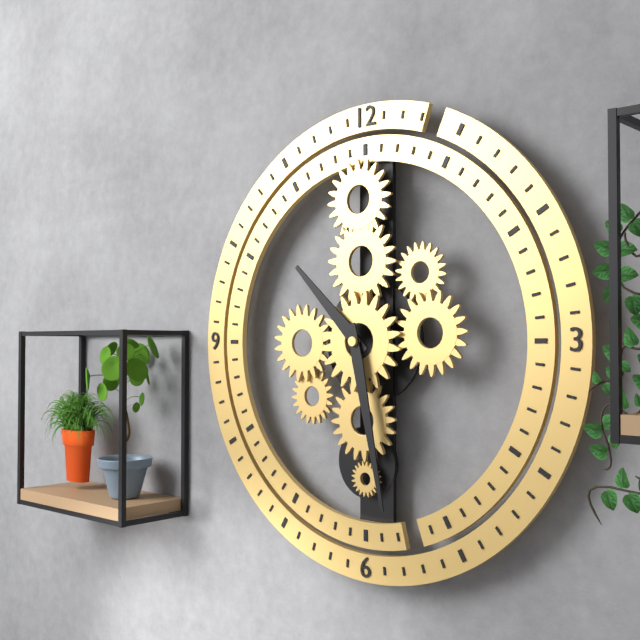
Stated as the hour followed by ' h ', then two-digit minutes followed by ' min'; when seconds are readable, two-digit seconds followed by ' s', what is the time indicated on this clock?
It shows 10 h 28 min
